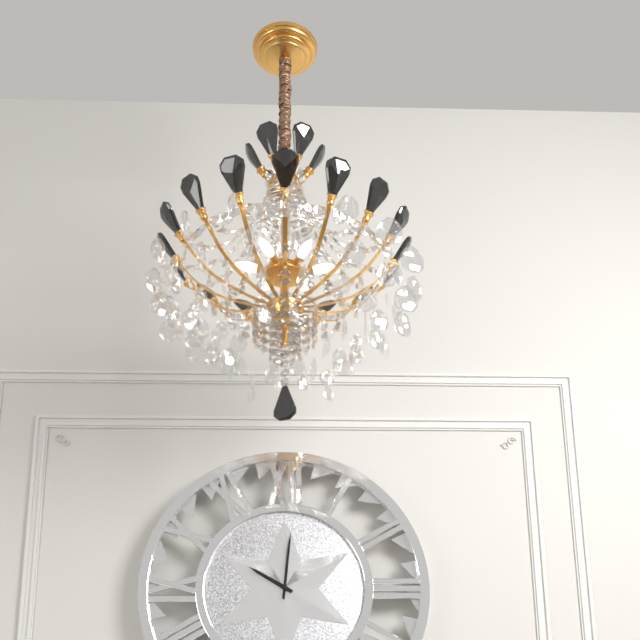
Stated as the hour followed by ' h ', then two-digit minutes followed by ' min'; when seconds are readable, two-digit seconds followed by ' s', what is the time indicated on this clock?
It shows 10 h 01 min
